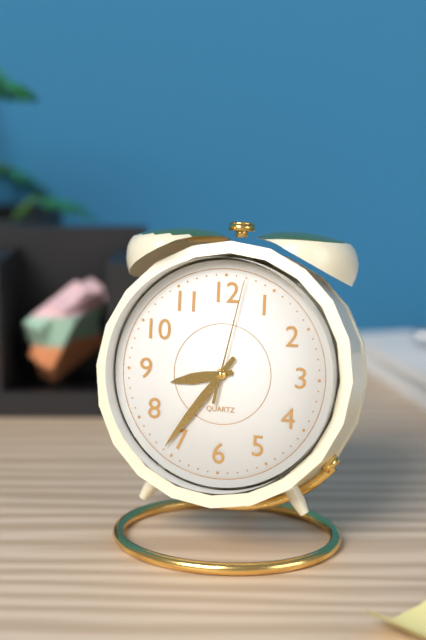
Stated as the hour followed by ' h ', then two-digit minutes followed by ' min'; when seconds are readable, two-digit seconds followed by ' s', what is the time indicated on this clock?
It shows 8 h 36 min 02 s
